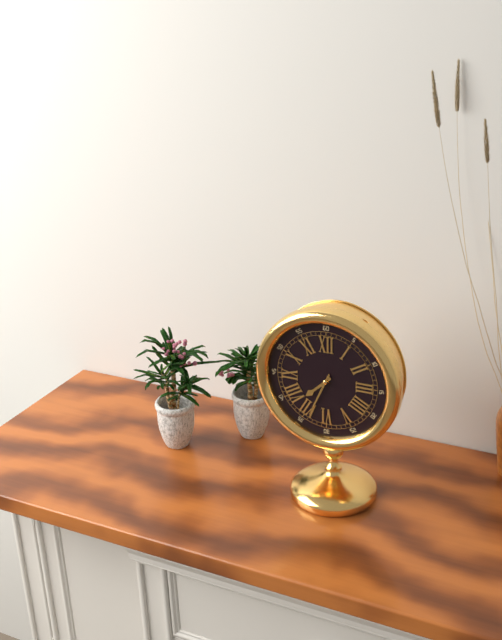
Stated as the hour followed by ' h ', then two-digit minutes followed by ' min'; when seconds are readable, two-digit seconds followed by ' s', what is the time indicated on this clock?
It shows 7 h 34 min
